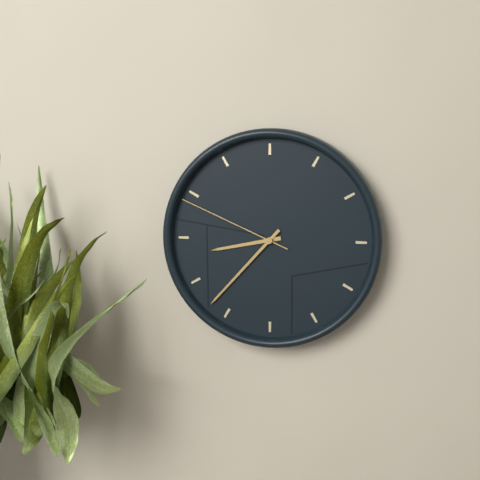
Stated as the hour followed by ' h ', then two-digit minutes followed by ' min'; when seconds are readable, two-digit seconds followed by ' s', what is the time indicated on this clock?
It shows 8 h 37 min 49 s
